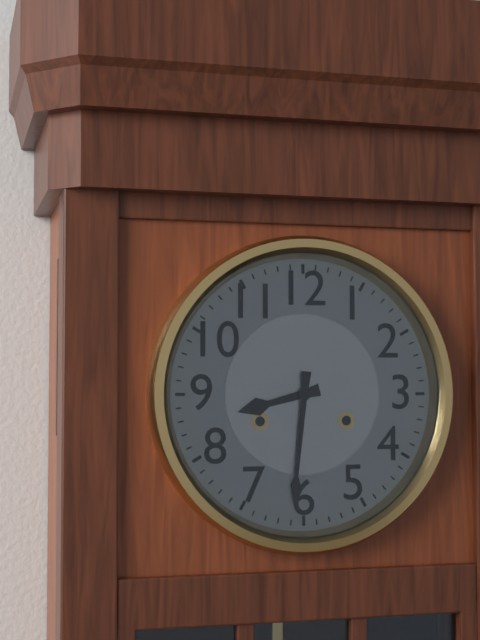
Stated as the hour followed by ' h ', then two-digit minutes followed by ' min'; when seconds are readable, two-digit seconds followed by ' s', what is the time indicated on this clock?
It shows 8 h 31 min
